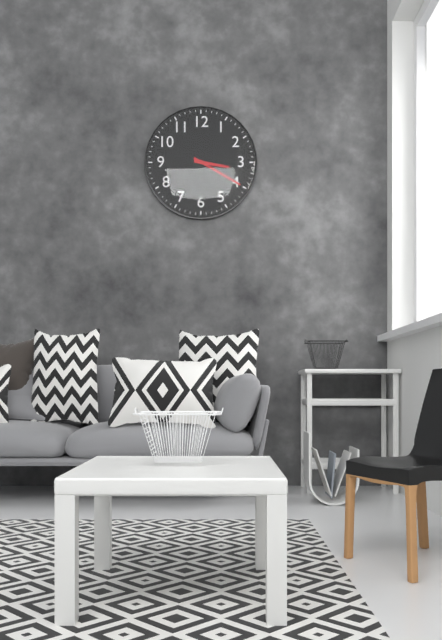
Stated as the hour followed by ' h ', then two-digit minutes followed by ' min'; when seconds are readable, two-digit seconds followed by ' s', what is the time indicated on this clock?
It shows 3 h 20 min
